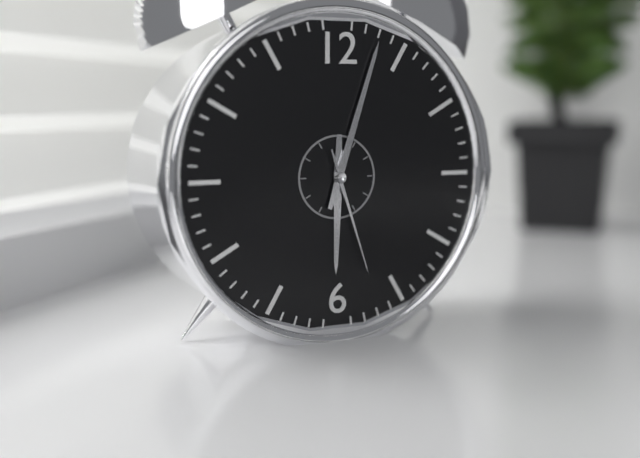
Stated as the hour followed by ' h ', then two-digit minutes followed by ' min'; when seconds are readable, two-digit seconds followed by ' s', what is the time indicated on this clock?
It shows 6 h 03 min 27 s
